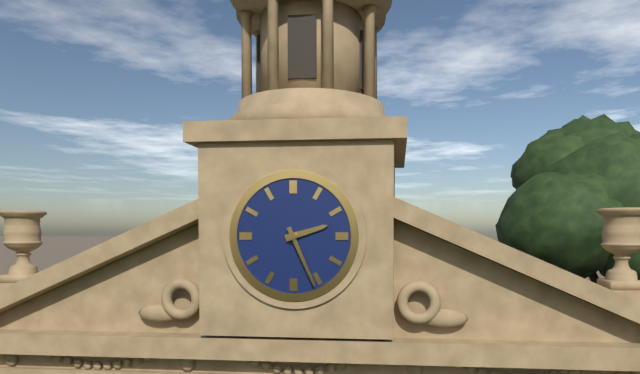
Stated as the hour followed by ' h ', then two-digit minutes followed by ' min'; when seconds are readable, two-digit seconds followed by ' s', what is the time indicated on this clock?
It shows 2 h 26 min
